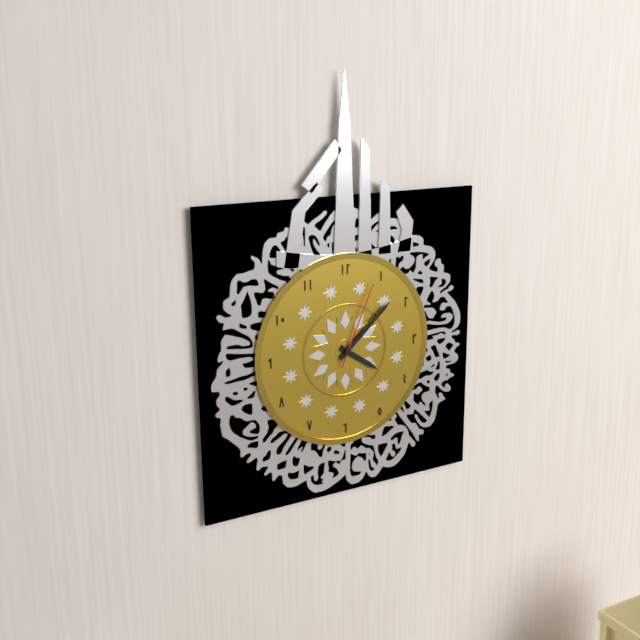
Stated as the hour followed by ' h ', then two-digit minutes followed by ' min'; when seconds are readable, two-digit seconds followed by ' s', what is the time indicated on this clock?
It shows 4 h 08 min 04 s
